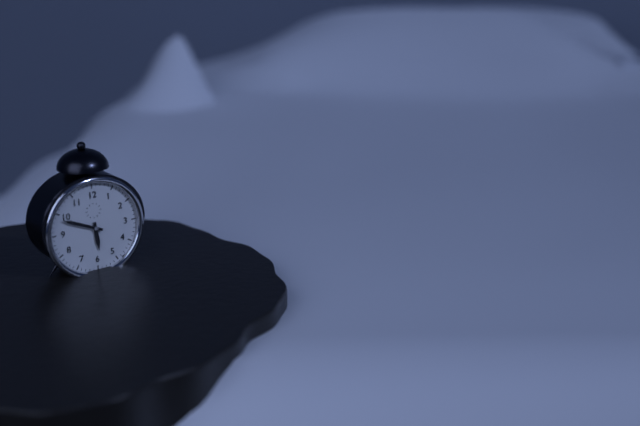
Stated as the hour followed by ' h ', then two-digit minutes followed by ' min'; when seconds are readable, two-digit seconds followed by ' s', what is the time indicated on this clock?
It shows 5 h 49 min
